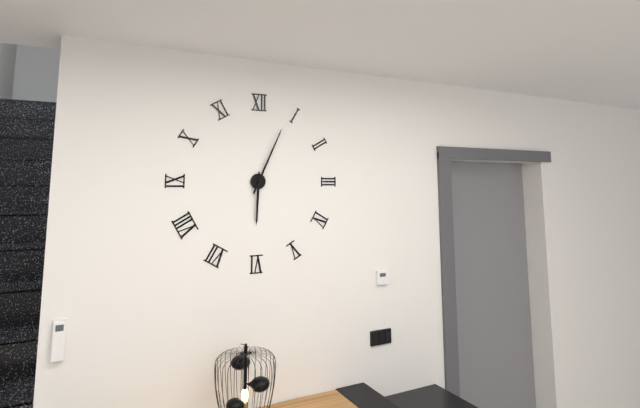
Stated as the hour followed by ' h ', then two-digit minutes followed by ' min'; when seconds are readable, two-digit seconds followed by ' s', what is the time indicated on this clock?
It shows 6 h 04 min
